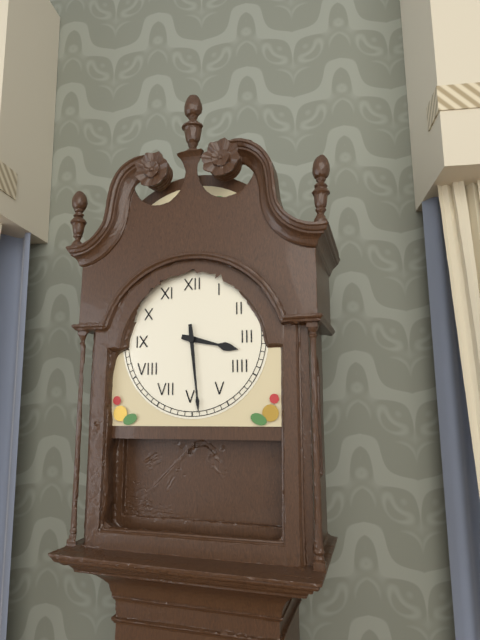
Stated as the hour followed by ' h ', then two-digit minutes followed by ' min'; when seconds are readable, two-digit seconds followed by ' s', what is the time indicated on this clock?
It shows 3 h 29 min
